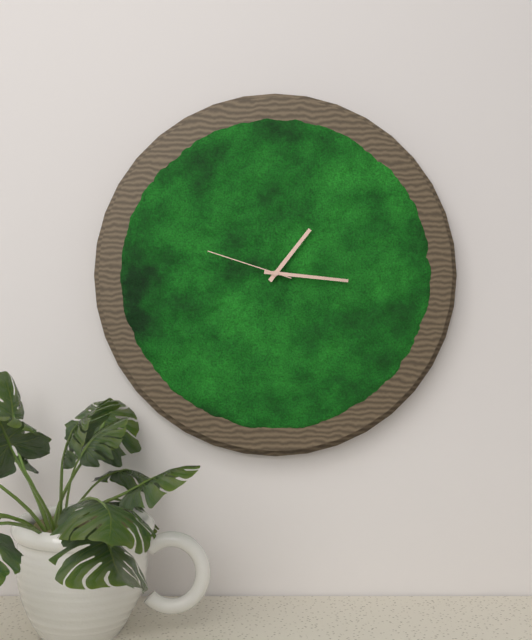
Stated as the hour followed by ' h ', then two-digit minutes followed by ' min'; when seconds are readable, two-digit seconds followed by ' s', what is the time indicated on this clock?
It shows 1 h 16 min 48 s
